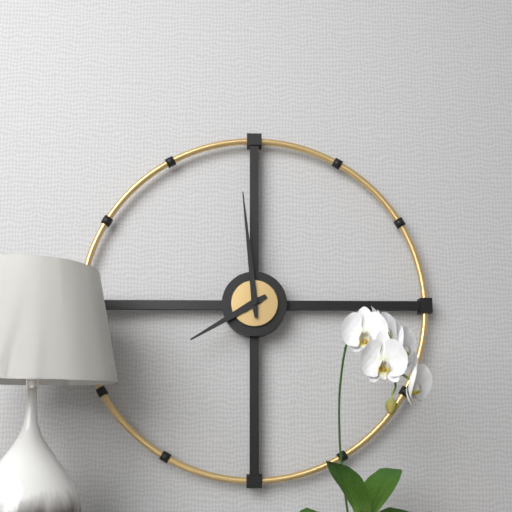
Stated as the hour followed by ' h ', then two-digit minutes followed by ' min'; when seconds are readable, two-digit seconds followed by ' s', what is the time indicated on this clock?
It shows 7 h 59 min
